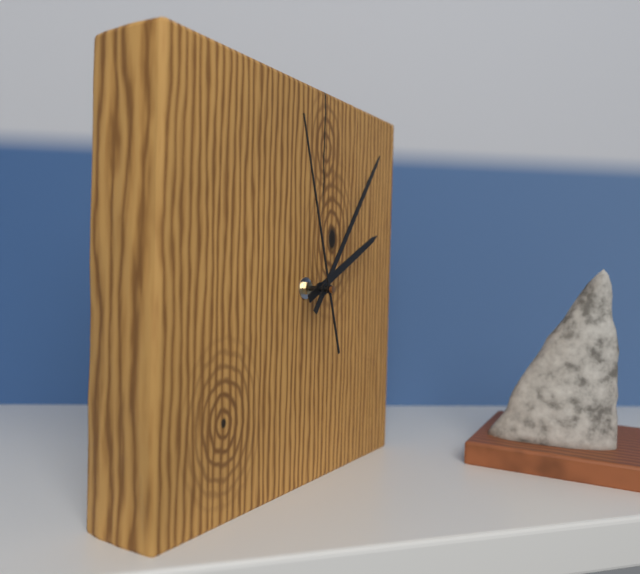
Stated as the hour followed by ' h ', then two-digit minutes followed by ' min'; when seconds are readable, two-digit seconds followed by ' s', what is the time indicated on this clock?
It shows 2 h 06 min 57 s
